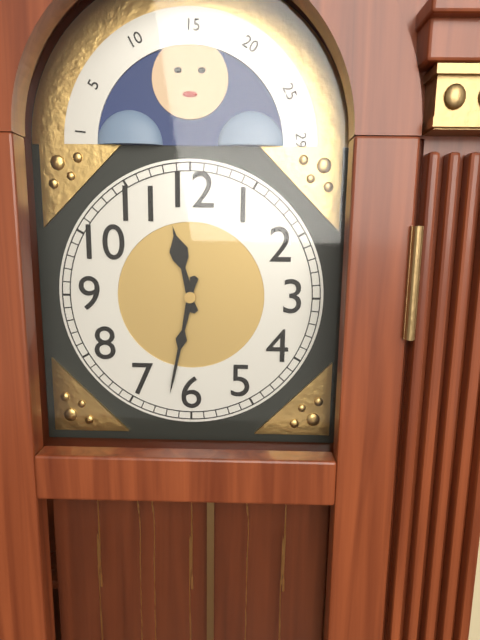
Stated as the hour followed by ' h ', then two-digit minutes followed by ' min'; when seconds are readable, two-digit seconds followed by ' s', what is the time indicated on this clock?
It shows 11 h 32 min
